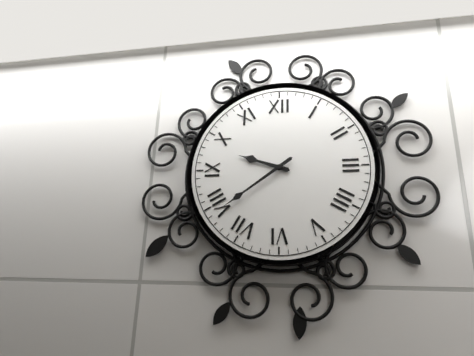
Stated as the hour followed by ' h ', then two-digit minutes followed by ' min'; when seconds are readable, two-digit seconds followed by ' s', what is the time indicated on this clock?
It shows 9 h 39 min
